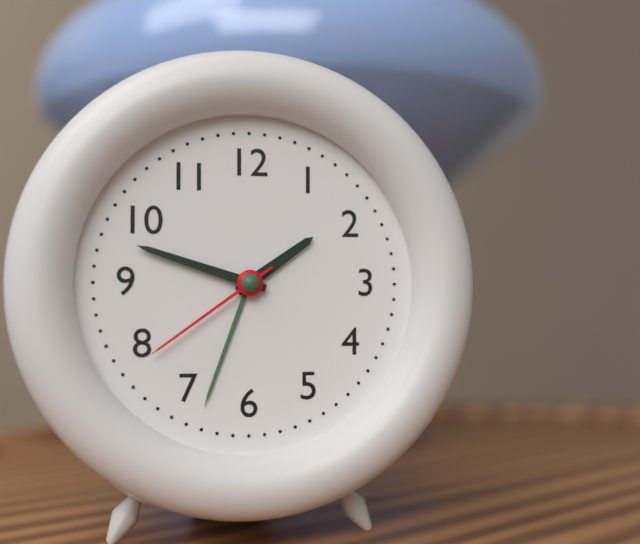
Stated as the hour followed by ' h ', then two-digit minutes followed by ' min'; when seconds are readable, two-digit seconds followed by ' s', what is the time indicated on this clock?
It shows 1 h 48 min 39 s
